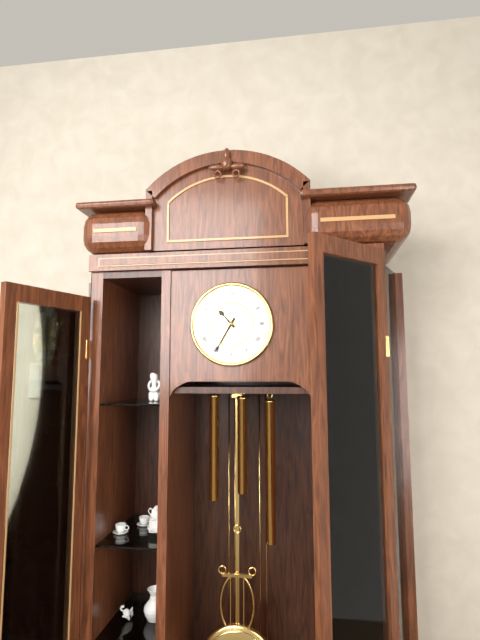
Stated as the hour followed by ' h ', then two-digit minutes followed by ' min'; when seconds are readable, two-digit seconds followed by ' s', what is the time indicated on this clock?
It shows 10 h 35 min
